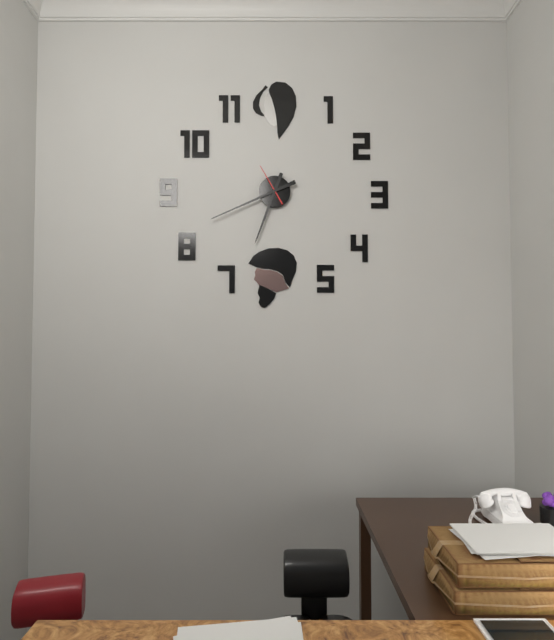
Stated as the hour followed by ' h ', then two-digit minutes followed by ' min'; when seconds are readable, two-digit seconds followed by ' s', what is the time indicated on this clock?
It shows 6 h 41 min
